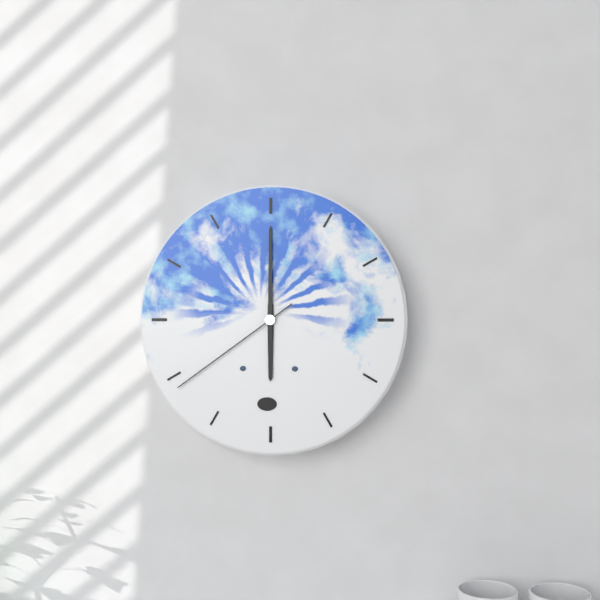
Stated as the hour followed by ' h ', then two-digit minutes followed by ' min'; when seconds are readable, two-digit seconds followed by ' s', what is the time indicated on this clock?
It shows 6 h 00 min 39 s
